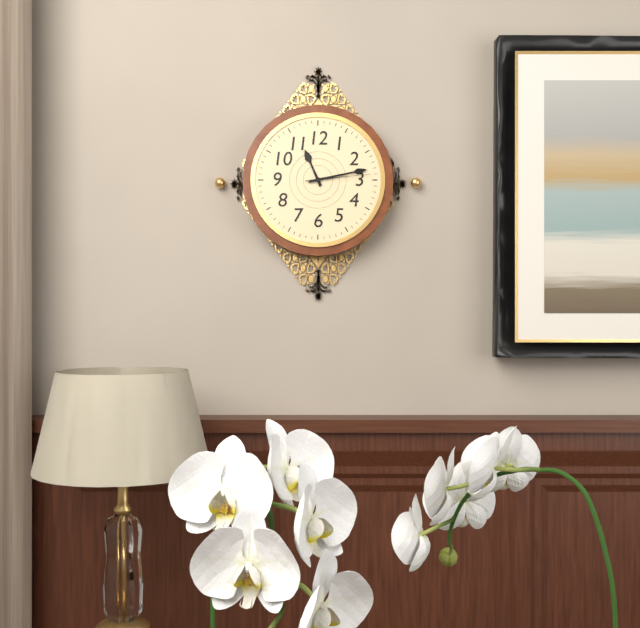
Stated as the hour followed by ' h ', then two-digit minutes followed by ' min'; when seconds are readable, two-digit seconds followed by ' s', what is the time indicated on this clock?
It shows 11 h 13 min 14 s
